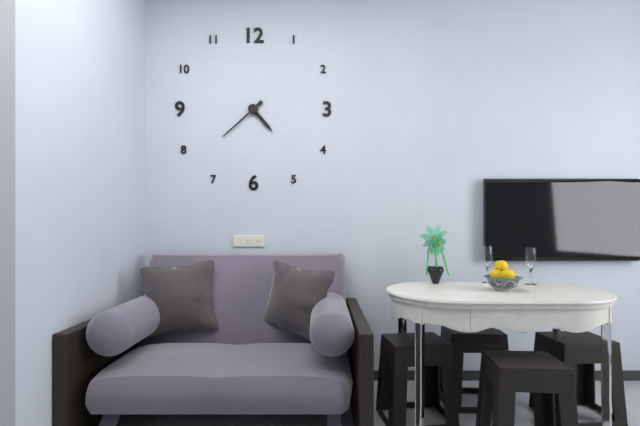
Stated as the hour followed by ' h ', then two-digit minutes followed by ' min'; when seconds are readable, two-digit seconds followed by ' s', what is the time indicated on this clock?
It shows 4 h 38 min
